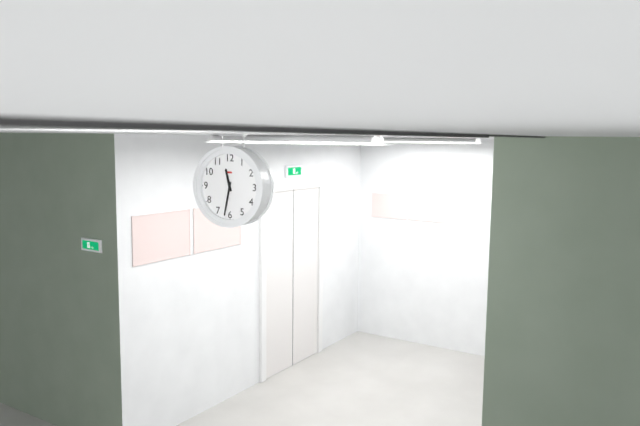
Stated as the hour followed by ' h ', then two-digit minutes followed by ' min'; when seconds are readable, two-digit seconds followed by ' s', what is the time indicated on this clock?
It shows 11 h 32 min
